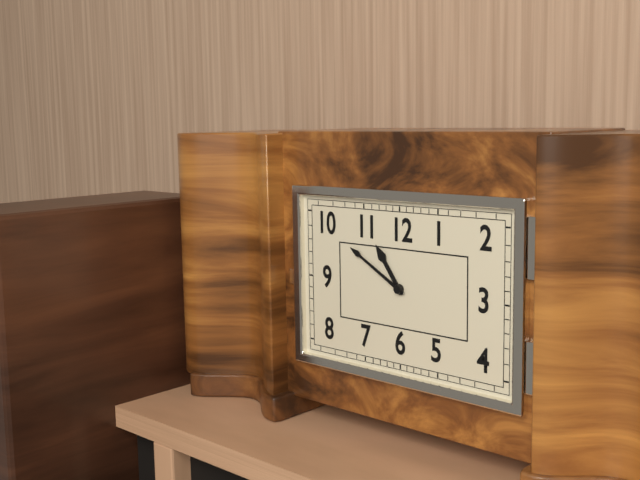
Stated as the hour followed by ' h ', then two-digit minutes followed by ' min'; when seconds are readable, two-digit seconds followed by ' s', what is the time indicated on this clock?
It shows 10 h 50 min
